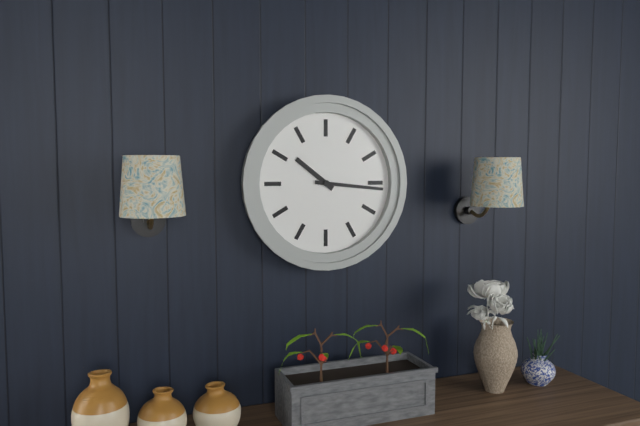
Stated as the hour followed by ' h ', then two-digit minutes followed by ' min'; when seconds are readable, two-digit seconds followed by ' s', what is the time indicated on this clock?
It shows 10 h 16 min
